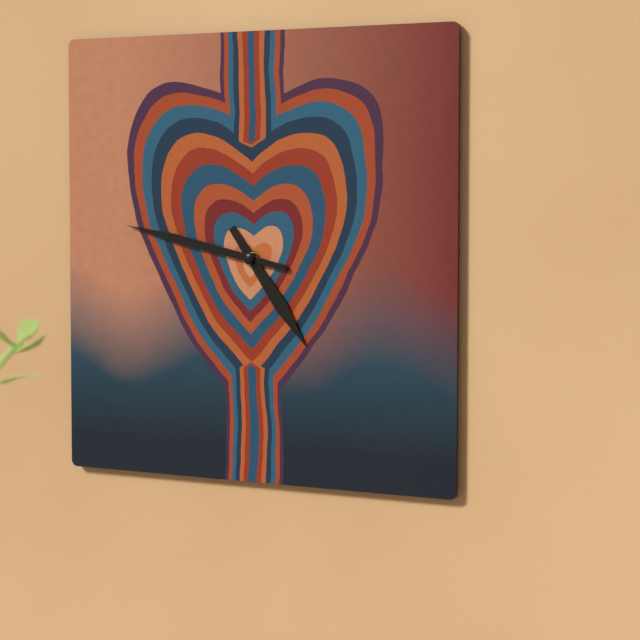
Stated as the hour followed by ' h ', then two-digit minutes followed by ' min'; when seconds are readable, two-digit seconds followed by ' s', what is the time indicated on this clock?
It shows 4 h 47 min
